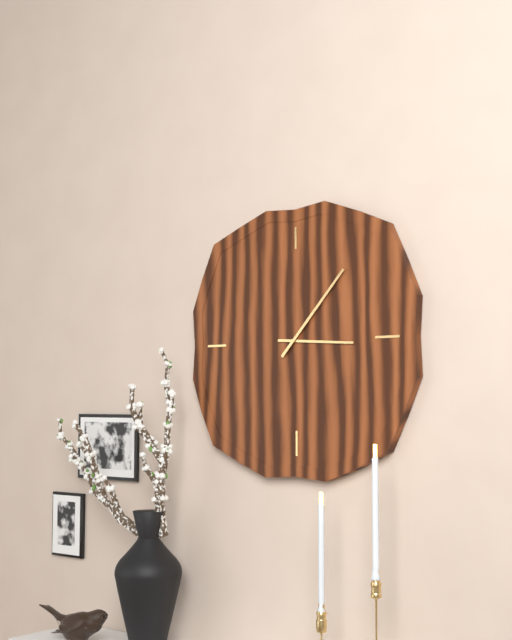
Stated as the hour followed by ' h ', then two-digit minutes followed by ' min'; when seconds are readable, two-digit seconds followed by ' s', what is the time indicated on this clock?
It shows 3 h 07 min
